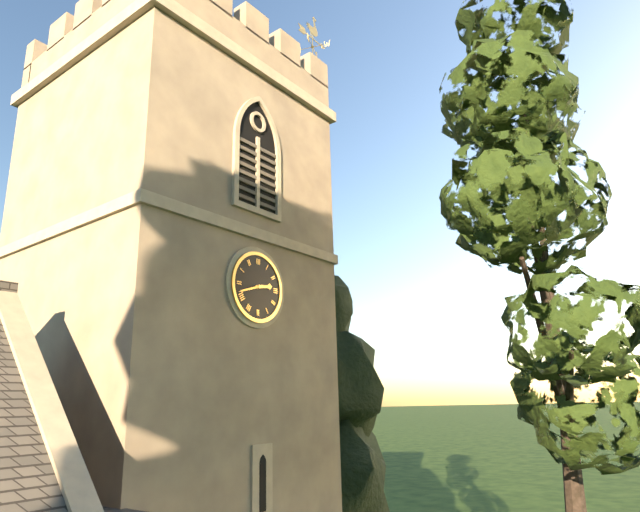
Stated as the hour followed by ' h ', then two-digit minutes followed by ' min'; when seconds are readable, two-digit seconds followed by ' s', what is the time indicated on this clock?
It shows 2 h 42 min
